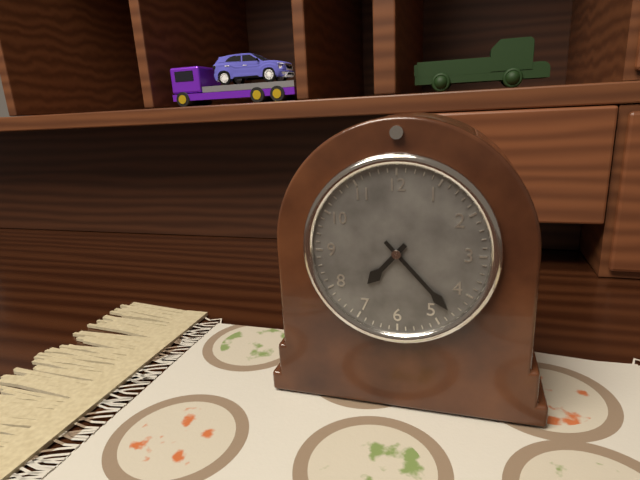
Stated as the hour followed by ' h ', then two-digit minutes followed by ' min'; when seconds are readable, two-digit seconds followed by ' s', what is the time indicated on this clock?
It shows 7 h 23 min
